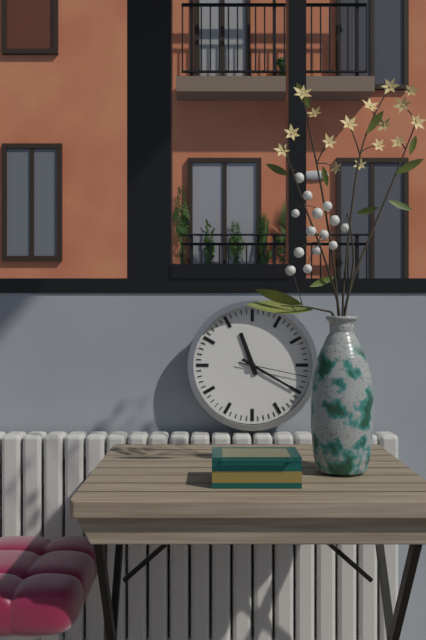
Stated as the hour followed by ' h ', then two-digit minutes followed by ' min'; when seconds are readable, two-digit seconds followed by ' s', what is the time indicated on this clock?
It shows 11 h 20 min 17 s
